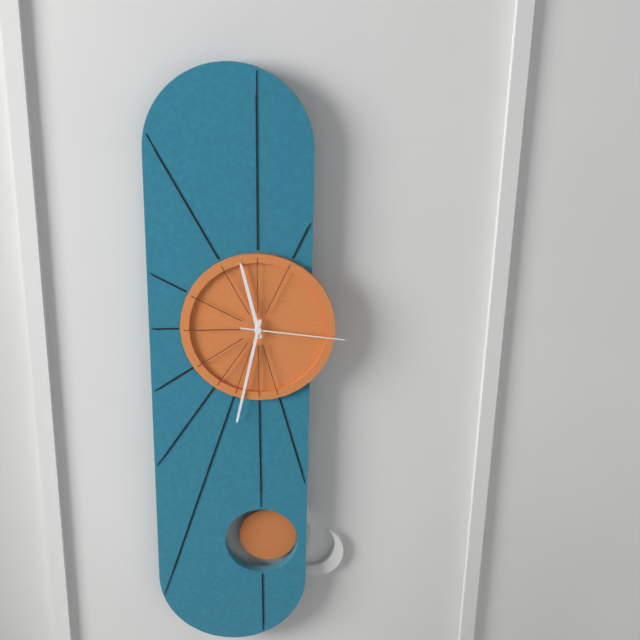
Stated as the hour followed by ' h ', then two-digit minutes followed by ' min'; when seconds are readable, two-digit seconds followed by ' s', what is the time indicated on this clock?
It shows 11 h 32 min 16 s
